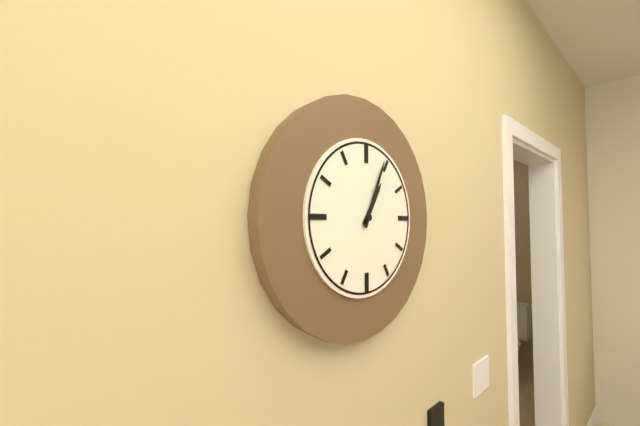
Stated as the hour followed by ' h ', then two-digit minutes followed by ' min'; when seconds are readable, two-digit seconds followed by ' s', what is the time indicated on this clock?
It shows 1 h 04 min
